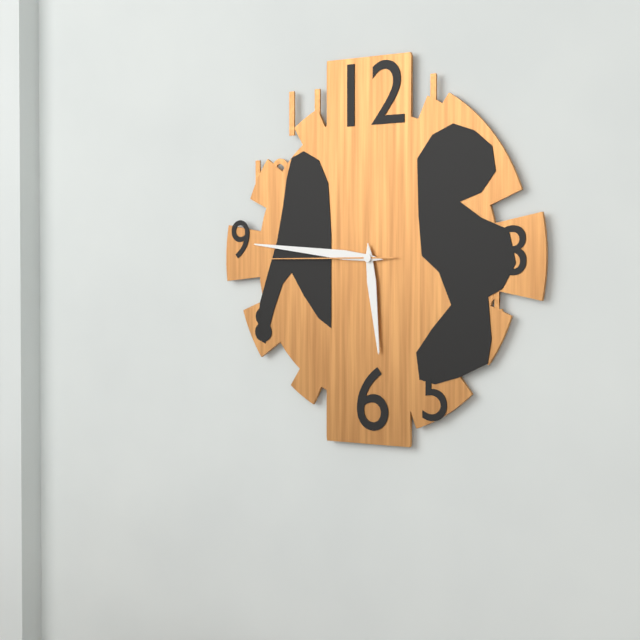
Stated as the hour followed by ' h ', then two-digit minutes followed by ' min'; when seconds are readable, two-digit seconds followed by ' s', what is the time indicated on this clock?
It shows 5 h 46 min 45 s
